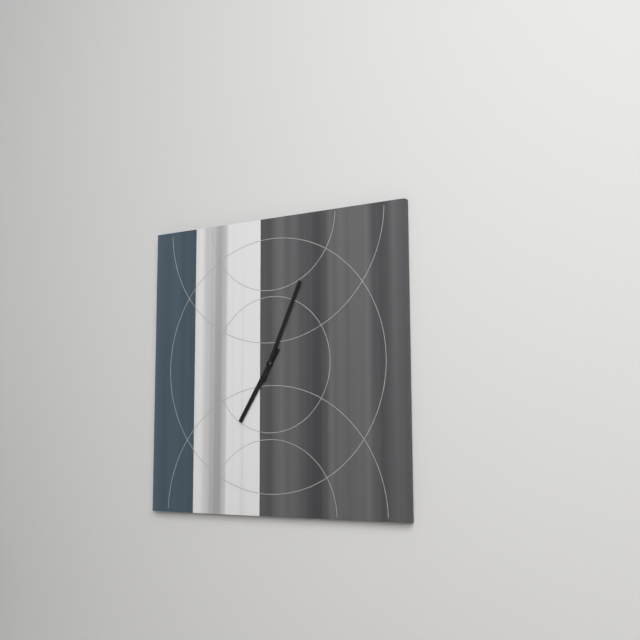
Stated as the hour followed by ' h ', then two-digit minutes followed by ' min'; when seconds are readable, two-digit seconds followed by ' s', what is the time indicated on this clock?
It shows 7 h 04 min
